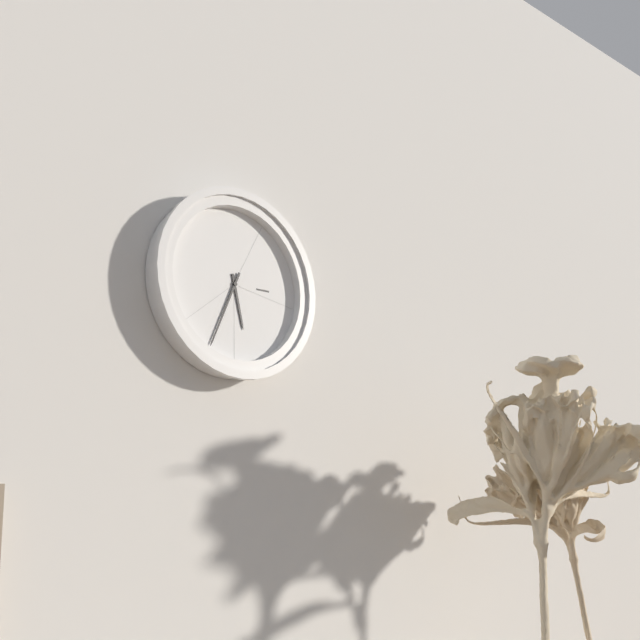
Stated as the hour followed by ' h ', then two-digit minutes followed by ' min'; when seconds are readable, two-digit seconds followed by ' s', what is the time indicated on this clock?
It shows 5 h 34 min
